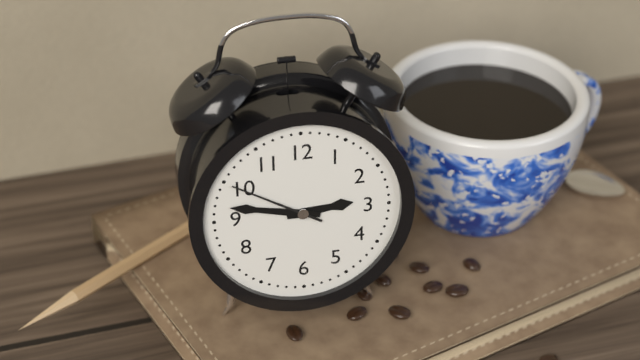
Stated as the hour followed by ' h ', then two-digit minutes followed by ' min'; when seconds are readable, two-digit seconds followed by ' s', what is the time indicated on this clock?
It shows 2 h 47 min 50 s
